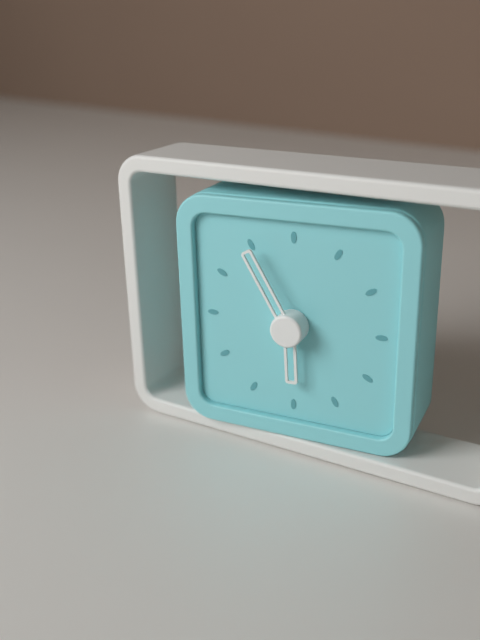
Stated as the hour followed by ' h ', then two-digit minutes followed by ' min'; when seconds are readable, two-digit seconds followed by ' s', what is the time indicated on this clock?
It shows 5 h 55 min
